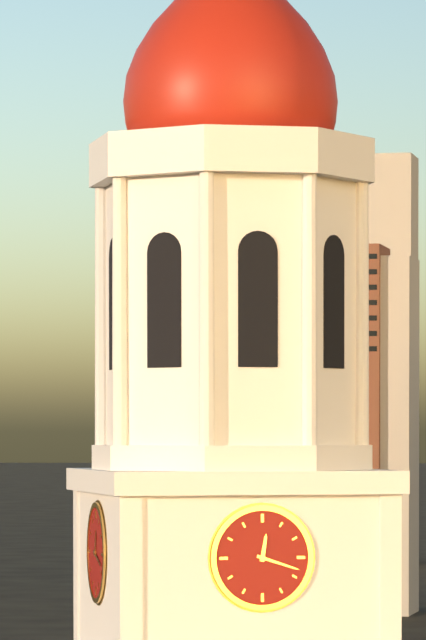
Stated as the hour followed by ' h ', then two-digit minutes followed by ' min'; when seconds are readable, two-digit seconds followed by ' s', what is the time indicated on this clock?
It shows 12 h 18 min
